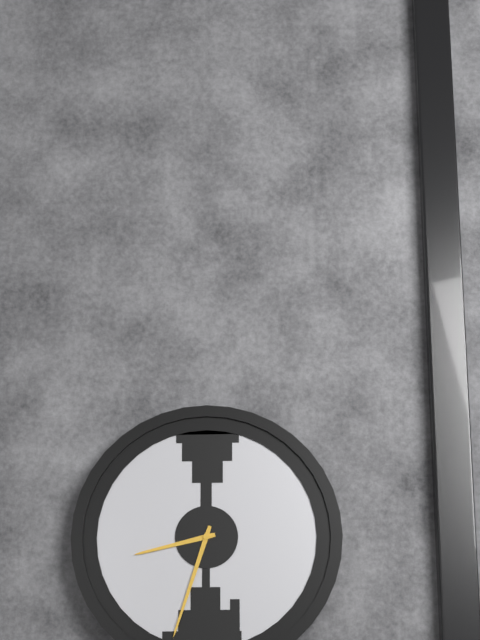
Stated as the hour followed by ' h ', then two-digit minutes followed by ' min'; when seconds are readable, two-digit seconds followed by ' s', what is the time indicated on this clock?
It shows 8 h 33 min
